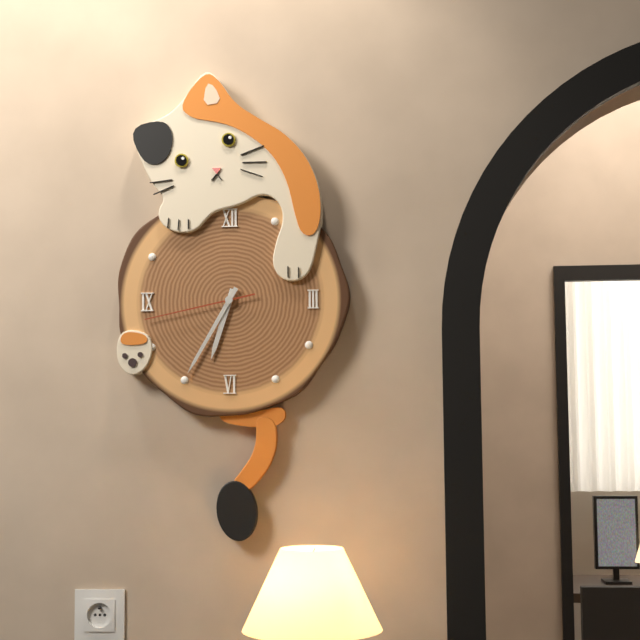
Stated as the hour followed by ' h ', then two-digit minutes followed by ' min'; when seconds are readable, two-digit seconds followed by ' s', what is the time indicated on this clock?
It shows 6 h 35 min 43 s
